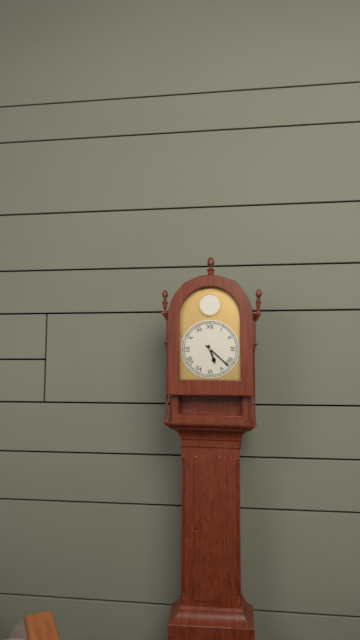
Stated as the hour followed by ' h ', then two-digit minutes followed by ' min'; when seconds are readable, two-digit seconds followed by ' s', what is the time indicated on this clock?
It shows 5 h 22 min
